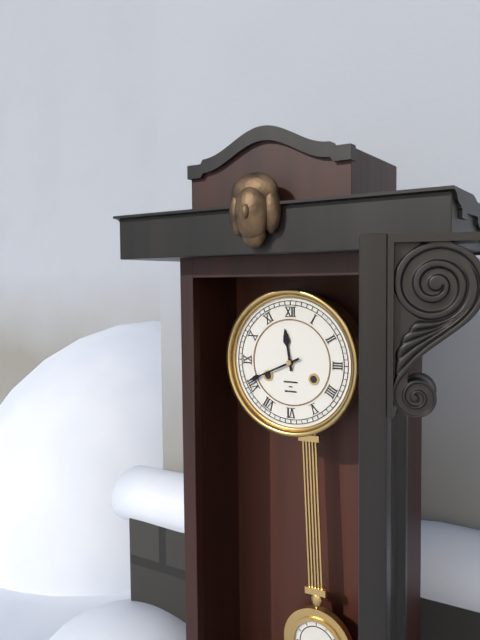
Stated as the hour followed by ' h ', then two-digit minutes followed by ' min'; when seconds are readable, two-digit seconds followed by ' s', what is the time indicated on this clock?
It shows 11 h 41 min
